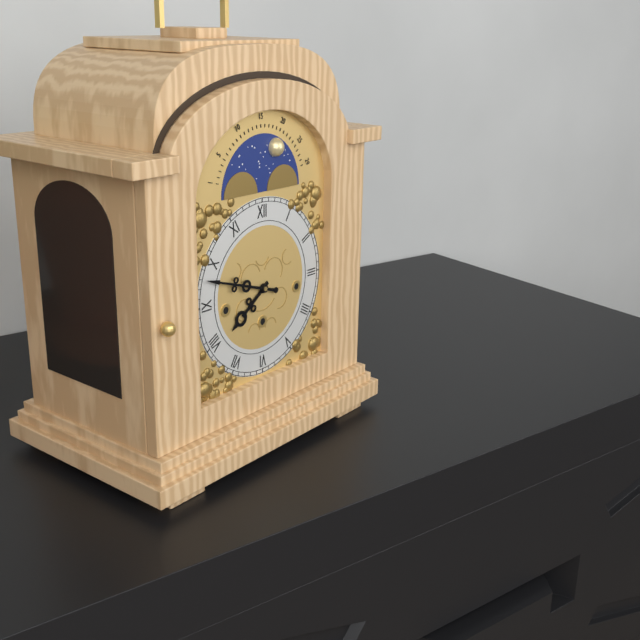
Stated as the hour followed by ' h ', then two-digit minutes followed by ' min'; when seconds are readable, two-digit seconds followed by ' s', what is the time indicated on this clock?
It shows 7 h 48 min
